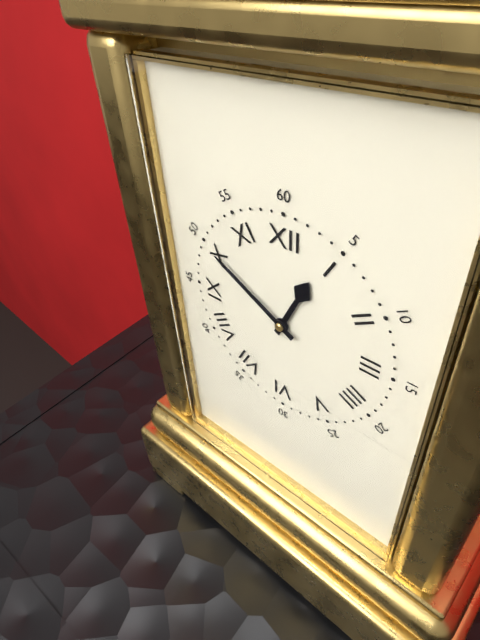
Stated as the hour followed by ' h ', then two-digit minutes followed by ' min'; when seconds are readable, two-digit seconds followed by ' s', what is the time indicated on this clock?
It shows 12 h 50 min
